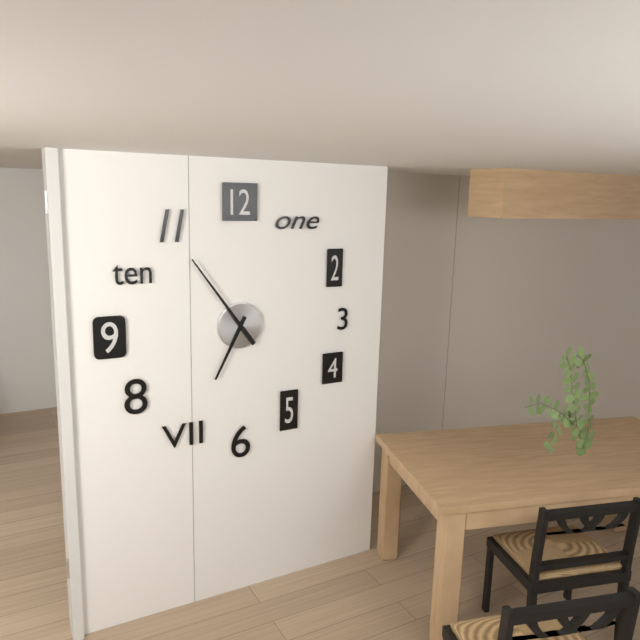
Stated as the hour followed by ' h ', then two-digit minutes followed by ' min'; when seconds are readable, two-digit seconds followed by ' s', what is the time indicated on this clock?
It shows 6 h 54 min
